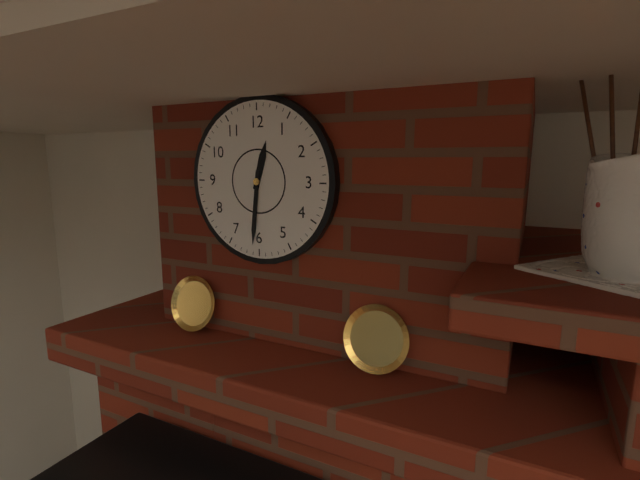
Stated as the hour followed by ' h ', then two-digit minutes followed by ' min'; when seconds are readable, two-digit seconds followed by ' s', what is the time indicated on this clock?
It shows 12 h 31 min
